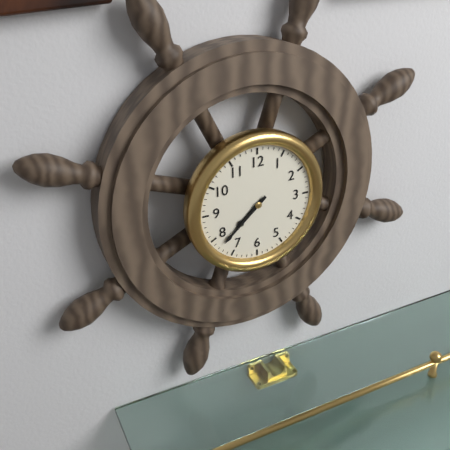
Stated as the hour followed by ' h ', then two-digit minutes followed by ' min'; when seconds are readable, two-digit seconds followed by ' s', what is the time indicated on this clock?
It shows 7 h 38 min
